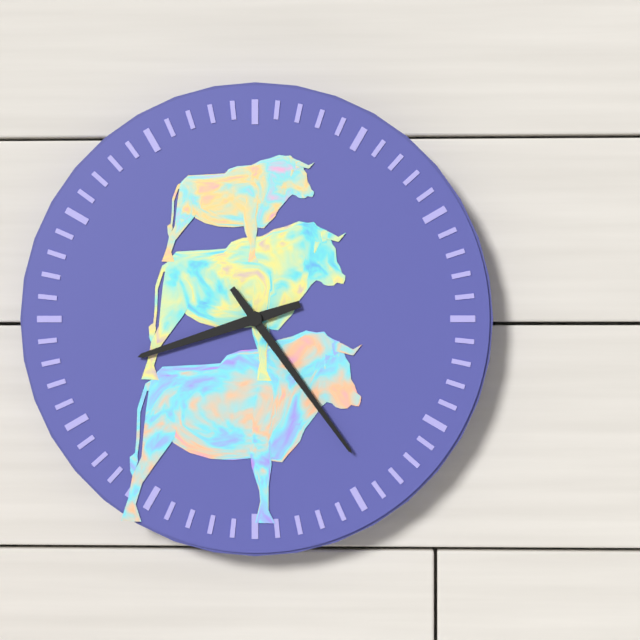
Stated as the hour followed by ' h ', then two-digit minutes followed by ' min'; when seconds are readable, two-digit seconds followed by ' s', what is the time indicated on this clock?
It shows 8 h 24 min
